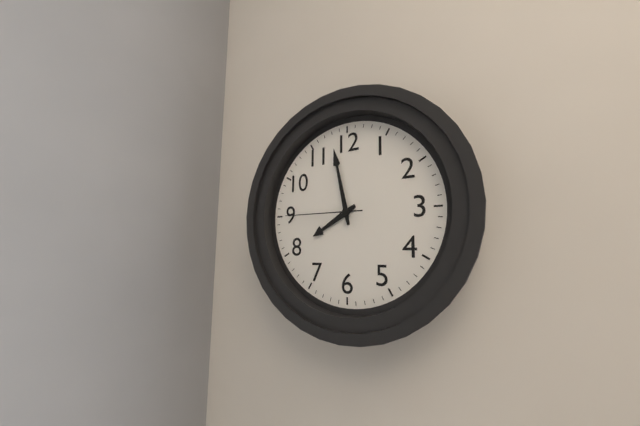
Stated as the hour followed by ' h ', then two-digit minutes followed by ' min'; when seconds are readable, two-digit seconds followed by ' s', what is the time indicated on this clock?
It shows 7 h 58 min 45 s
